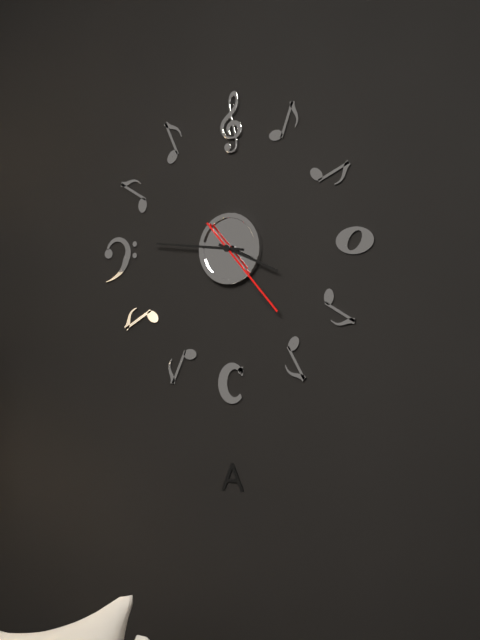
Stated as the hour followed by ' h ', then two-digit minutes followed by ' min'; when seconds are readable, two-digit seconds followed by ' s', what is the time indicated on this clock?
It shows 3 h 46 min 23 s
